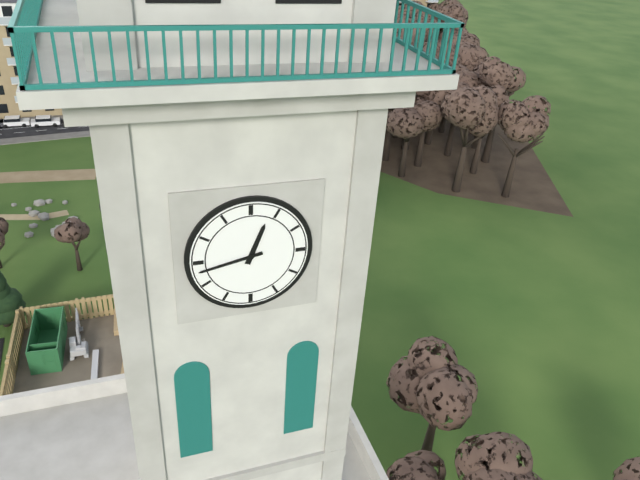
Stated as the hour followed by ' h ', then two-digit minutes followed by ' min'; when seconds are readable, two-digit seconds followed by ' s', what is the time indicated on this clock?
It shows 12 h 43 min
